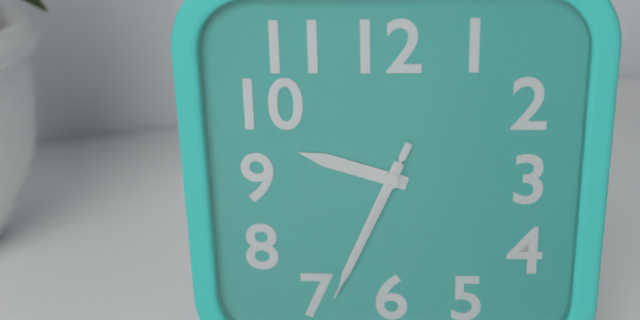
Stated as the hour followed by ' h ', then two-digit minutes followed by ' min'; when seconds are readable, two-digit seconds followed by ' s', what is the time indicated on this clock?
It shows 9 h 34 min 34 s
